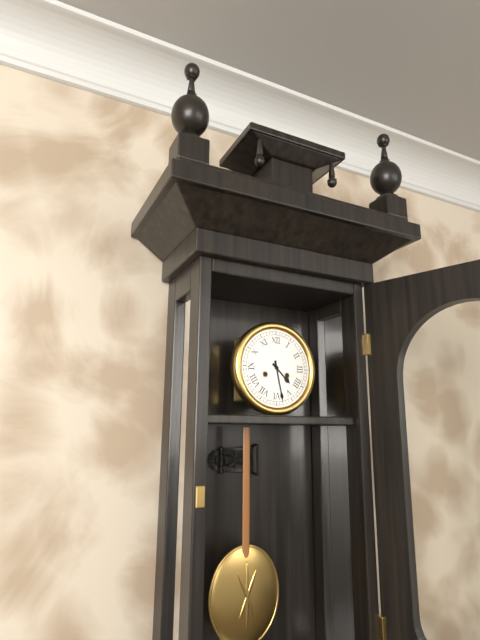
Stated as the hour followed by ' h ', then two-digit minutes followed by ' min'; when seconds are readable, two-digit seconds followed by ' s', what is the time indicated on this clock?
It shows 4 h 28 min
